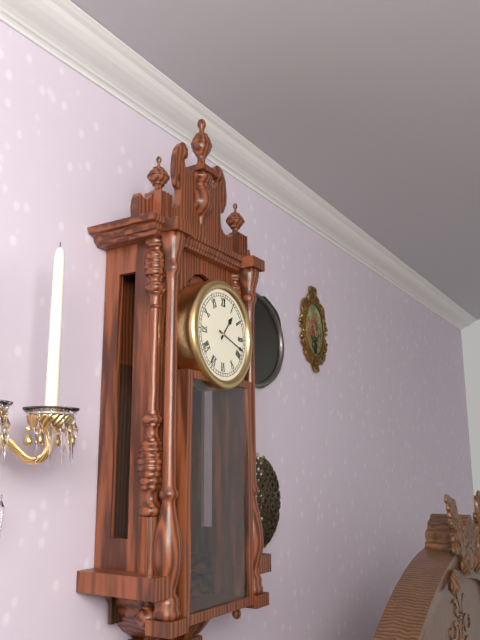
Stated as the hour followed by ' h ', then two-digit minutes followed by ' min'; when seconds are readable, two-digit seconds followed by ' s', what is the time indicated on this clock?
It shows 1 h 18 min
